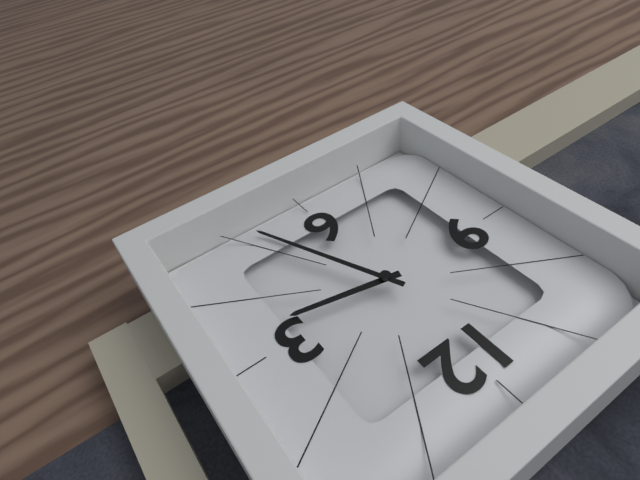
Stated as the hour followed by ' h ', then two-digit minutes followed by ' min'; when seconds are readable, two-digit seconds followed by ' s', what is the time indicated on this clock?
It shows 3 h 26 min
